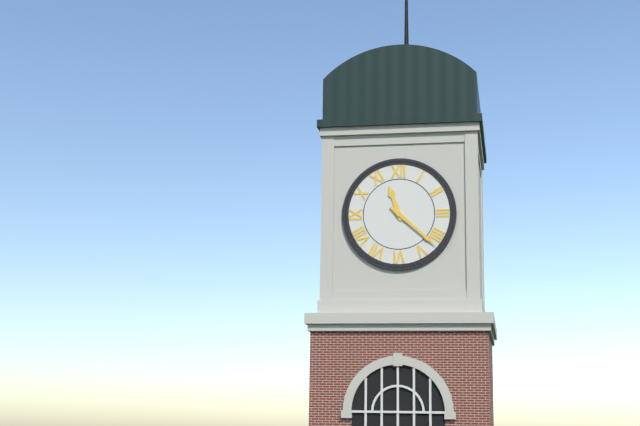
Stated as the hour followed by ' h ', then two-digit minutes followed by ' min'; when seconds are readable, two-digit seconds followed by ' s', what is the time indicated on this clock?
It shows 11 h 22 min
